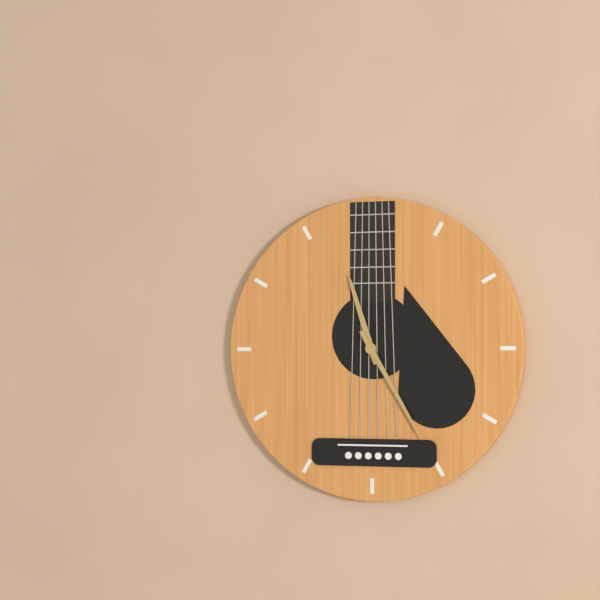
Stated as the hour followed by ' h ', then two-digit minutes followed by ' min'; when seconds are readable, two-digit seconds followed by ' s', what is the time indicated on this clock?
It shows 11 h 25 min
